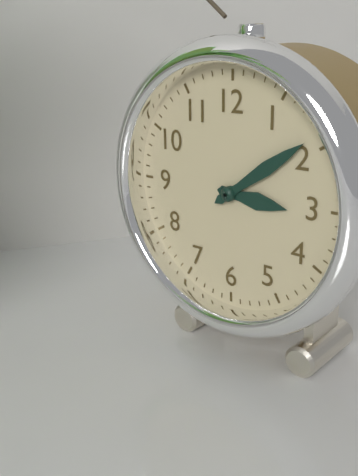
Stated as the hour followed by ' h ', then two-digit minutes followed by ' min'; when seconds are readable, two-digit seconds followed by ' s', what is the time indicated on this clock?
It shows 3 h 09 min
